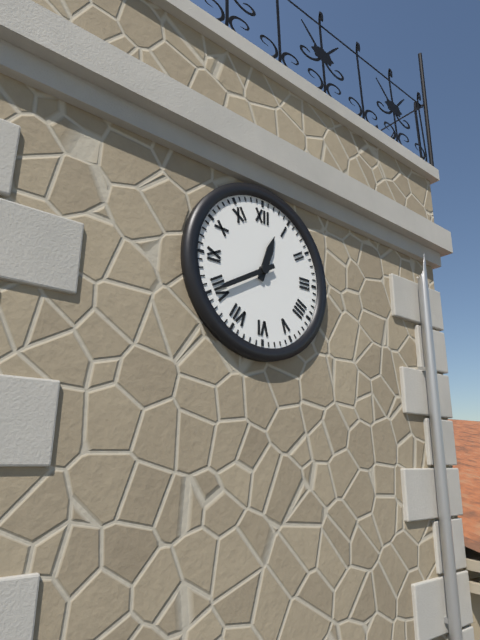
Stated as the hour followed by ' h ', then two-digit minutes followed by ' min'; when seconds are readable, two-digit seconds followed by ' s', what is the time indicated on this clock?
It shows 12 h 40 min
